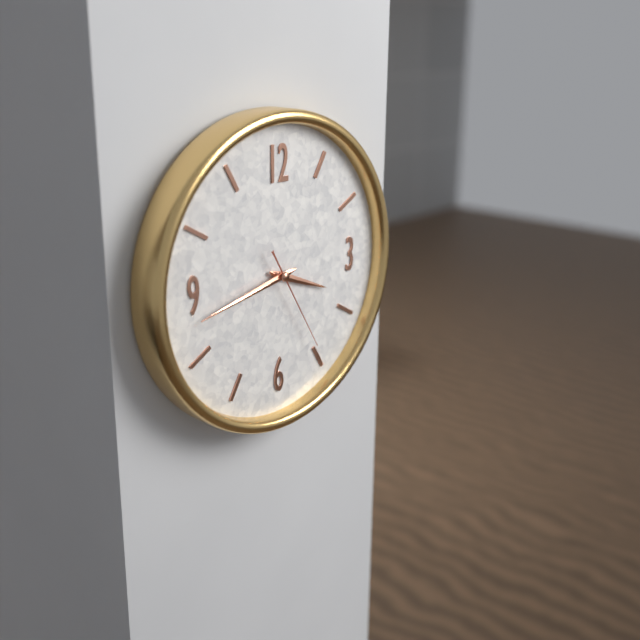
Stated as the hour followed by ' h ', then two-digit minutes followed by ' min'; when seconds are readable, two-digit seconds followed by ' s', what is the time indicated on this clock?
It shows 3 h 43 min 25 s
